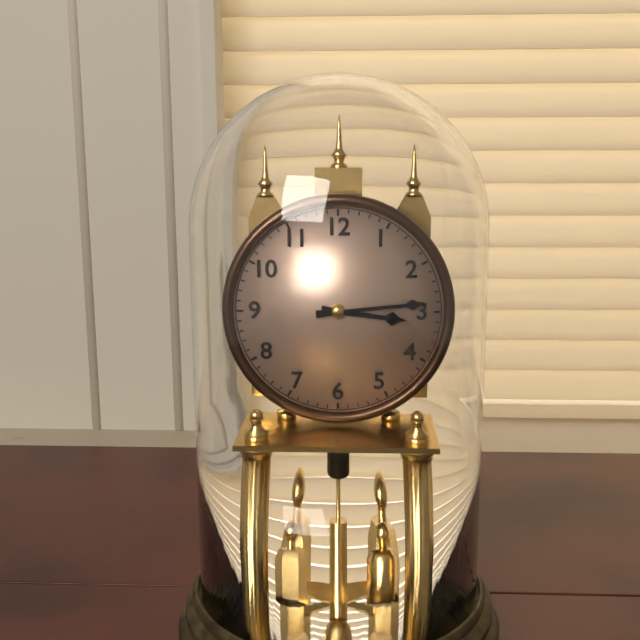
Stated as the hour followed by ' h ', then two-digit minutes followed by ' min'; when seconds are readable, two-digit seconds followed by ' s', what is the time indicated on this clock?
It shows 3 h 14 min
